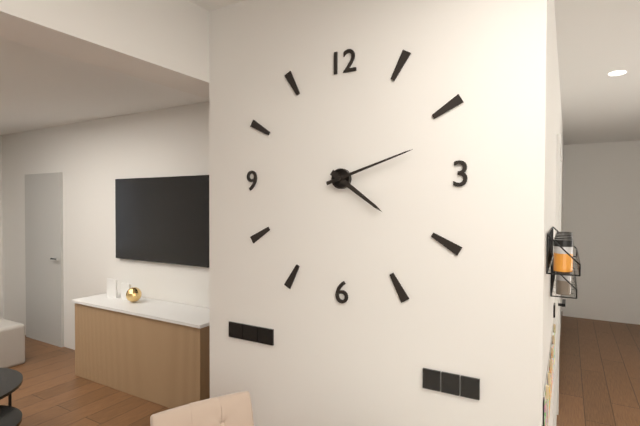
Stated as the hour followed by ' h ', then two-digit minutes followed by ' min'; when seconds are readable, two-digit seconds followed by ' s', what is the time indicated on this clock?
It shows 4 h 12 min
